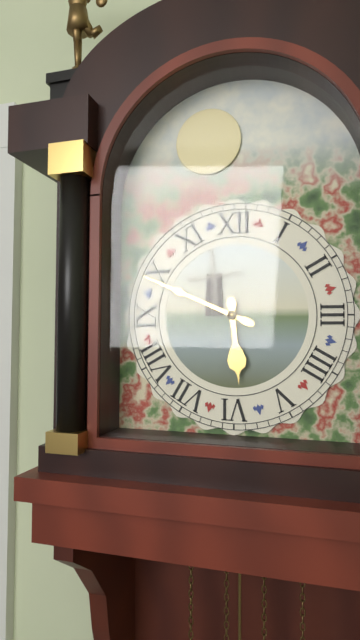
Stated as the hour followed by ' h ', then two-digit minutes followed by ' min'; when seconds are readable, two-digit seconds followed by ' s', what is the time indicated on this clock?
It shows 5 h 49 min
